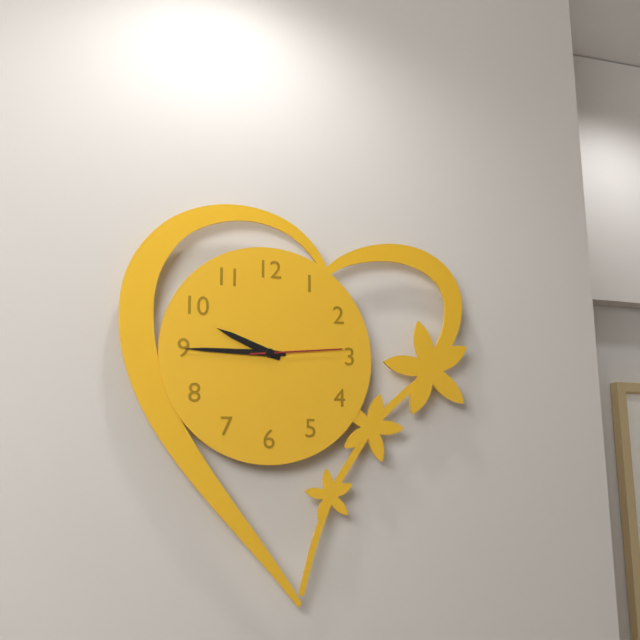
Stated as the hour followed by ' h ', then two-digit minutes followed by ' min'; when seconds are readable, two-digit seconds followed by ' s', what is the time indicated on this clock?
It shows 9 h 45 min 14 s
